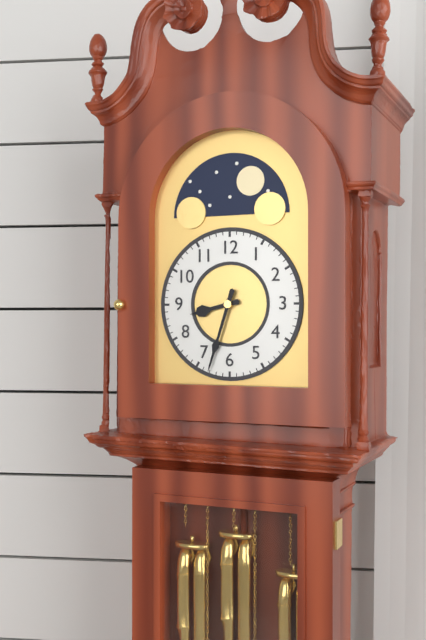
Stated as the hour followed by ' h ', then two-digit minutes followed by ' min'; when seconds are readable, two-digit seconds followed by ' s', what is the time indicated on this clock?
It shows 8 h 33 min
